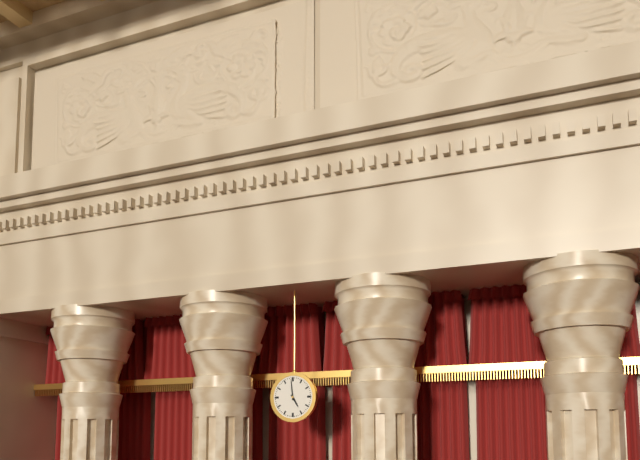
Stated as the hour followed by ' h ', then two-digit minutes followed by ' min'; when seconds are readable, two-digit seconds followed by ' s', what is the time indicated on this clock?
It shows 4 h 59 min
